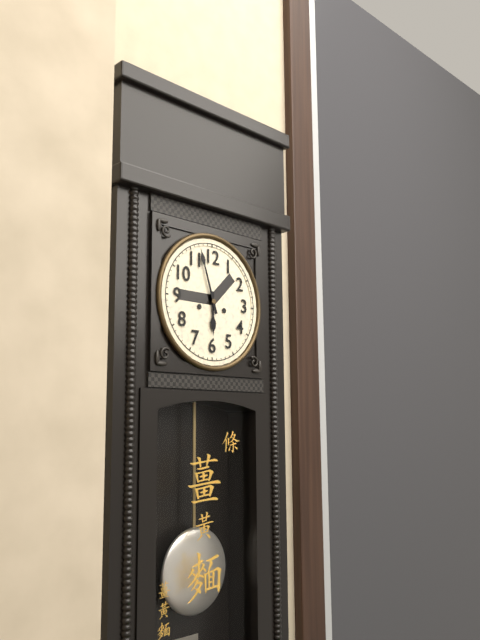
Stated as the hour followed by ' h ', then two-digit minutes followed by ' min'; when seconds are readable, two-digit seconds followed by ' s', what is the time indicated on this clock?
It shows 5 h 57 min
